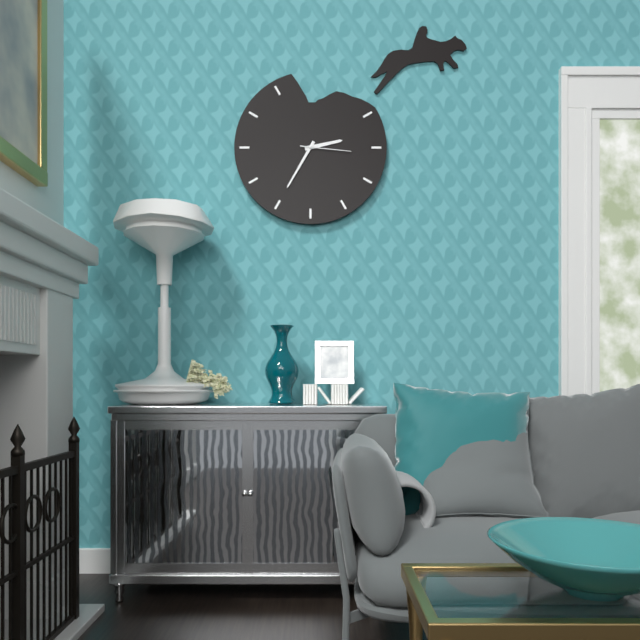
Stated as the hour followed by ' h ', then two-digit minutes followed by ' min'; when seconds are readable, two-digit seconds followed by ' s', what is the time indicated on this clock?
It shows 2 h 35 min 16 s
